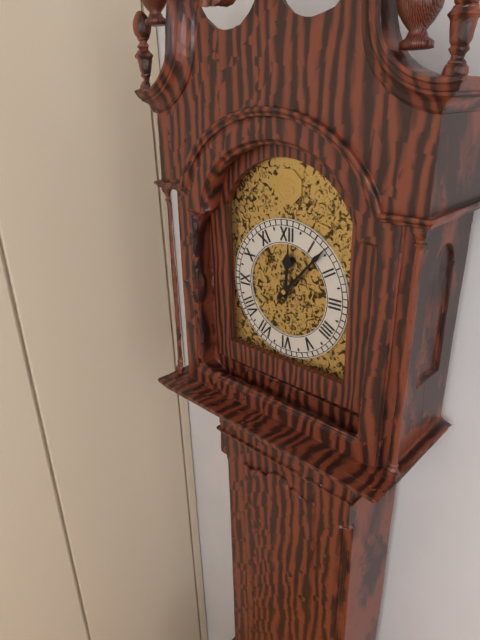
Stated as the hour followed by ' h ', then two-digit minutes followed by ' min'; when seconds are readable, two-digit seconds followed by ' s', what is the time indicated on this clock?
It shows 12 h 07 min
